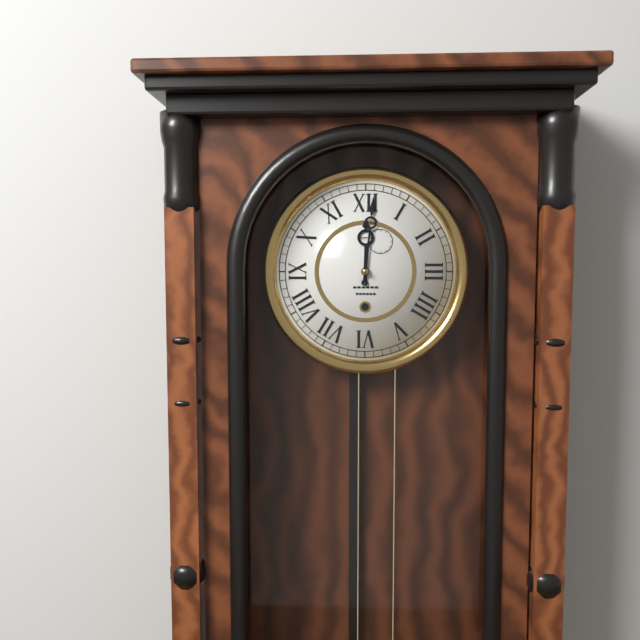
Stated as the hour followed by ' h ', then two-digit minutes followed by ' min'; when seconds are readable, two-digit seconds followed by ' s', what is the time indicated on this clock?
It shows 12 h 01 min
